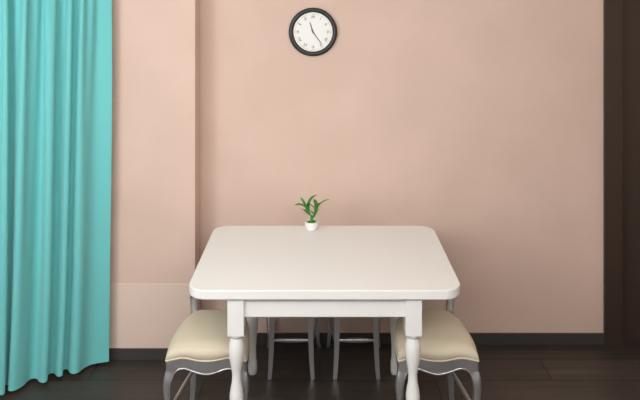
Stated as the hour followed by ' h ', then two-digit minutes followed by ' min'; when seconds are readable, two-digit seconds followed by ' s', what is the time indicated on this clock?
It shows 11 h 24 min
